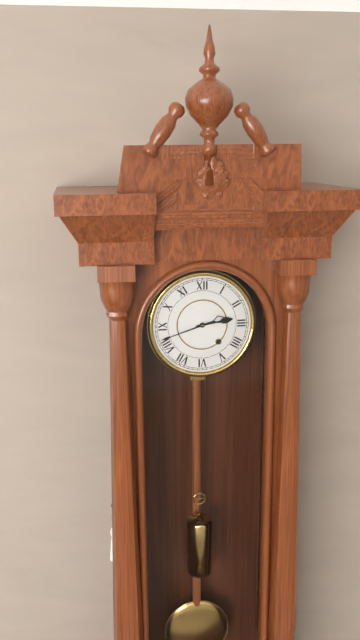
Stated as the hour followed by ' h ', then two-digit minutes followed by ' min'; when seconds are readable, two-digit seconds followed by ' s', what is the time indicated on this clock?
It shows 2 h 42 min
